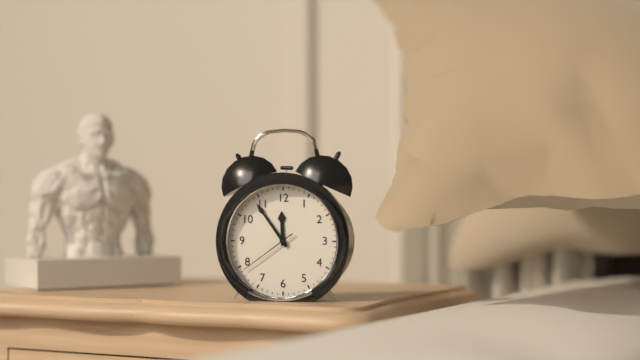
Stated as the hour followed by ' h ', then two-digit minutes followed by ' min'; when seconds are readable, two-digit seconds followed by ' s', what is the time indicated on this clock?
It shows 11 h 54 min 39 s
